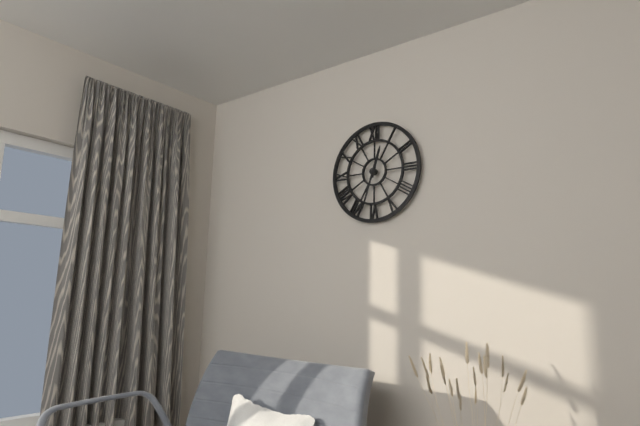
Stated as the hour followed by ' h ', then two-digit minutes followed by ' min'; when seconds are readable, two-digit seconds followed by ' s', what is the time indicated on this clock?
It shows 12 h 33 min
